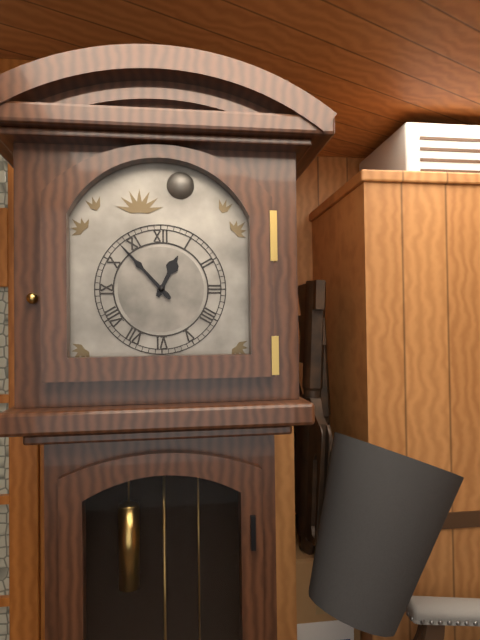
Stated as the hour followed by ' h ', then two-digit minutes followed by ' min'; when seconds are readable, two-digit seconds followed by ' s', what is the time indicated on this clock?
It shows 12 h 53 min
